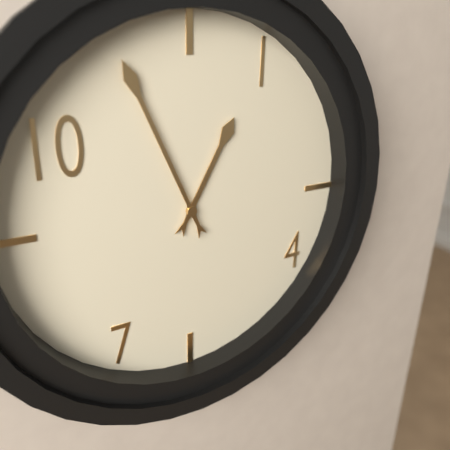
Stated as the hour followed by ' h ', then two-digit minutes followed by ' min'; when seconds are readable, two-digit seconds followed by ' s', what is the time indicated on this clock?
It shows 12 h 56 min
